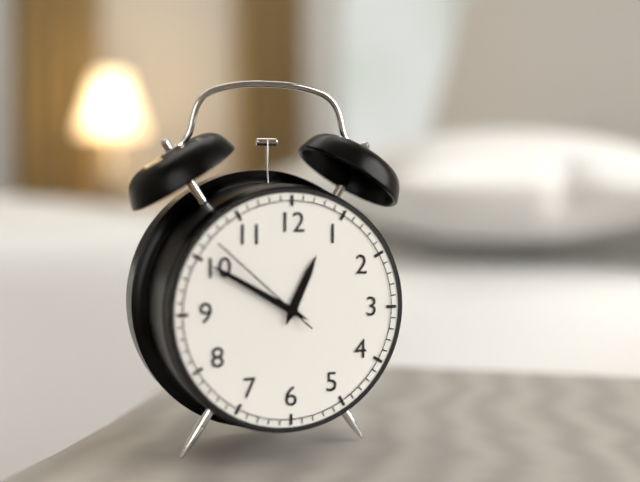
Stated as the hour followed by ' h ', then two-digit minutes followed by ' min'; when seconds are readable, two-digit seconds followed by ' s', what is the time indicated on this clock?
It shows 12 h 50 min 52 s
